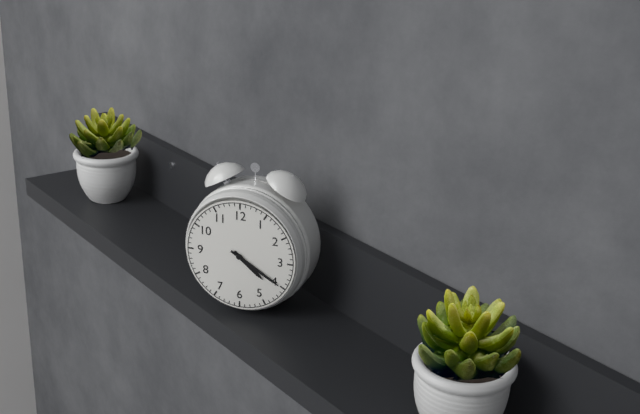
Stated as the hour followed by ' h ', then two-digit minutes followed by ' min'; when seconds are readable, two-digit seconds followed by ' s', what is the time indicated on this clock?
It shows 4 h 20 min
